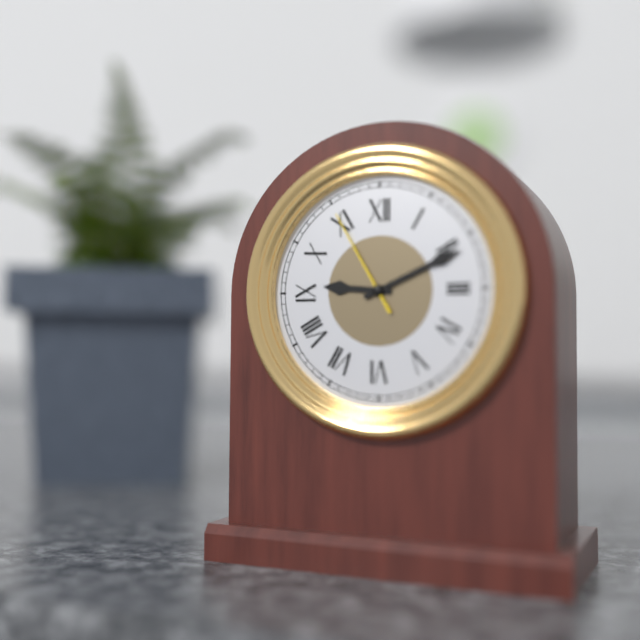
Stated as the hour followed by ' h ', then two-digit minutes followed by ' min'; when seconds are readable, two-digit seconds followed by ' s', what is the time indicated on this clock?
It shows 9 h 11 min 55 s
